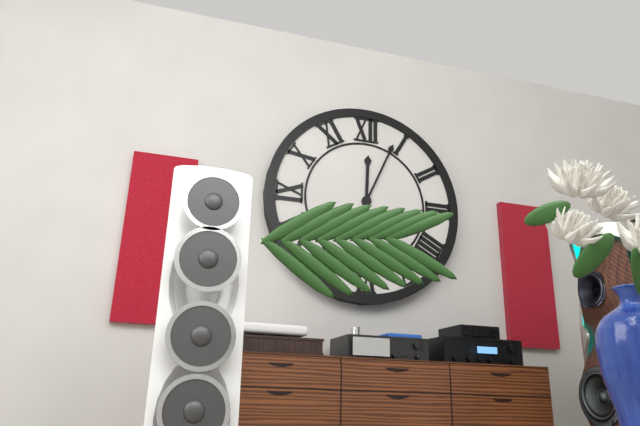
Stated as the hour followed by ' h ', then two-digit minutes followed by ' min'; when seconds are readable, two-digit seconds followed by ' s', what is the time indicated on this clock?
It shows 12 h 04 min
